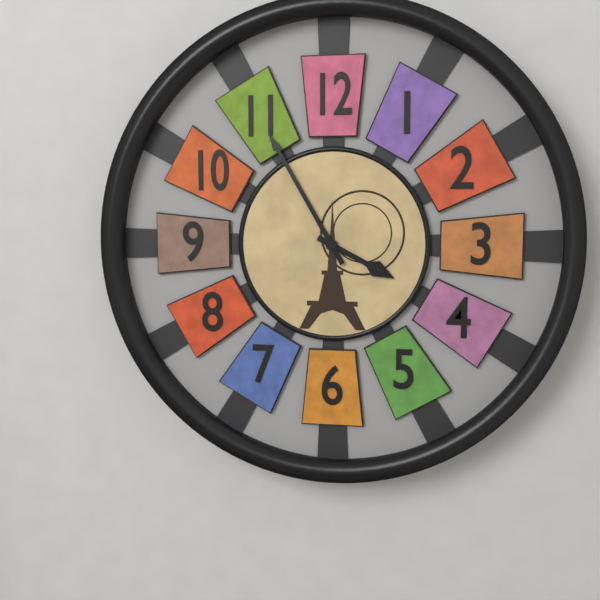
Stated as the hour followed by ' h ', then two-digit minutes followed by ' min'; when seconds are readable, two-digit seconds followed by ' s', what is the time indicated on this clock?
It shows 3 h 55 min
